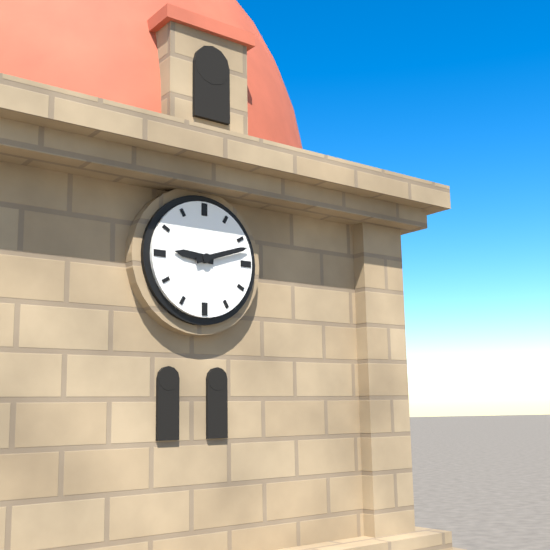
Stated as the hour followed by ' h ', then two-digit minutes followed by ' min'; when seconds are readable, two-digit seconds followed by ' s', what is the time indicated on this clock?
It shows 9 h 12 min
